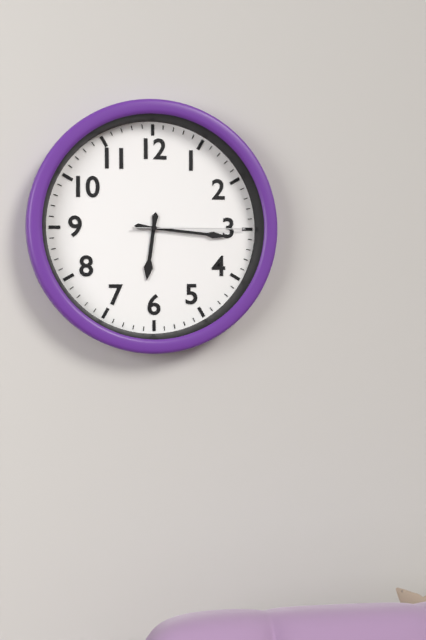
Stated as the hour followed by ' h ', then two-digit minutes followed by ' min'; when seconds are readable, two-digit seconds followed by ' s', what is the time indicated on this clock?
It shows 6 h 16 min 15 s
